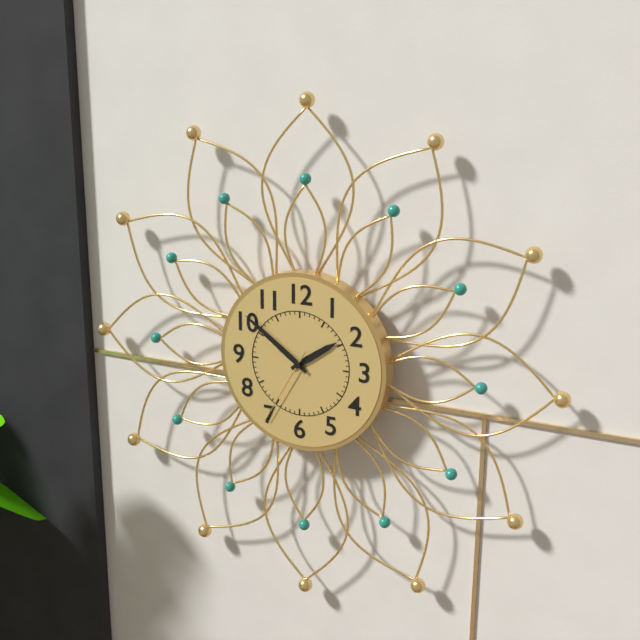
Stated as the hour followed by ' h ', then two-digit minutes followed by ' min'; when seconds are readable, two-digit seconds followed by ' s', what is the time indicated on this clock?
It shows 1 h 51 min 35 s
